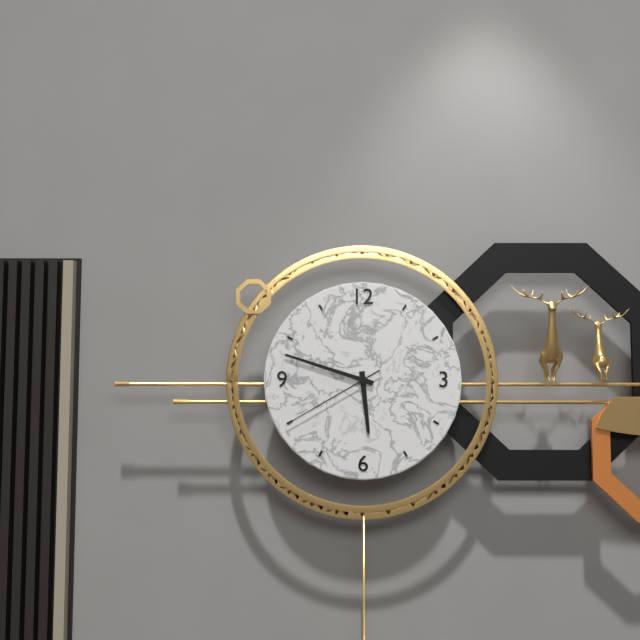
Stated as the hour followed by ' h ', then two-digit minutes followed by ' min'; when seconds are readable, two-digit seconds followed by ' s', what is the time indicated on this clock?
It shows 5 h 48 min 40 s
